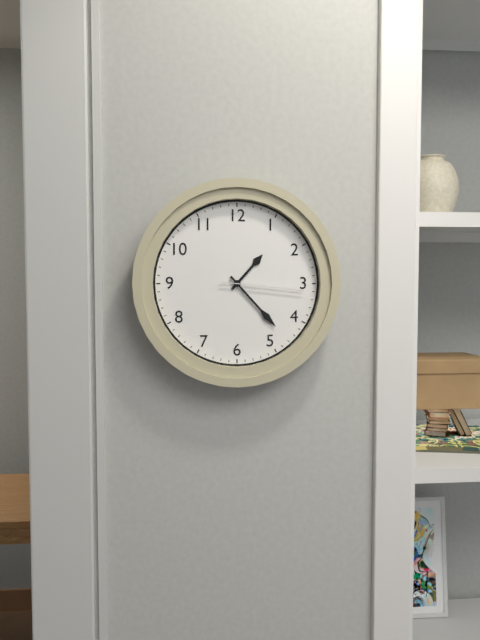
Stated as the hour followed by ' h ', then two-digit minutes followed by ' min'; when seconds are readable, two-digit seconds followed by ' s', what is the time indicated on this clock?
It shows 1 h 23 min 16 s
